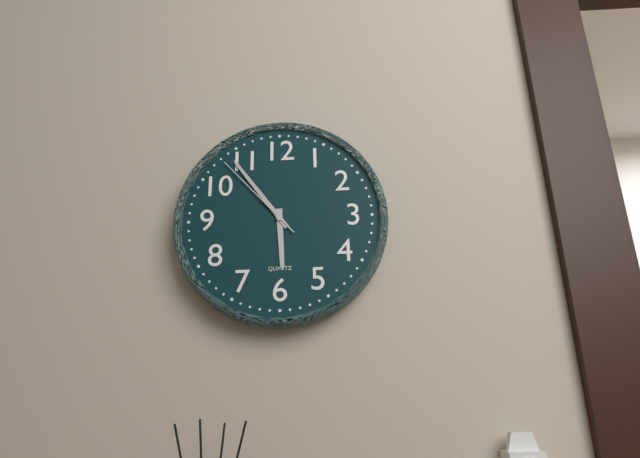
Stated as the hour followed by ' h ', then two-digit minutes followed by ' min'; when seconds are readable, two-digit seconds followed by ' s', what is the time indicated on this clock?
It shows 5 h 54 min 53 s
